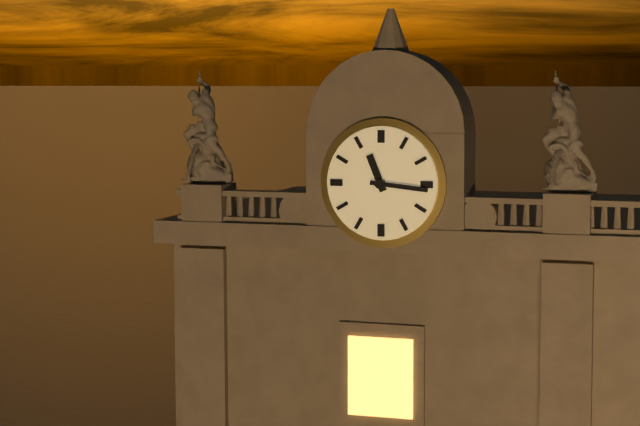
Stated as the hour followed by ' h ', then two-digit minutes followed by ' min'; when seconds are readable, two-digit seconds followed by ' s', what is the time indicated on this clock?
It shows 11 h 16 min
